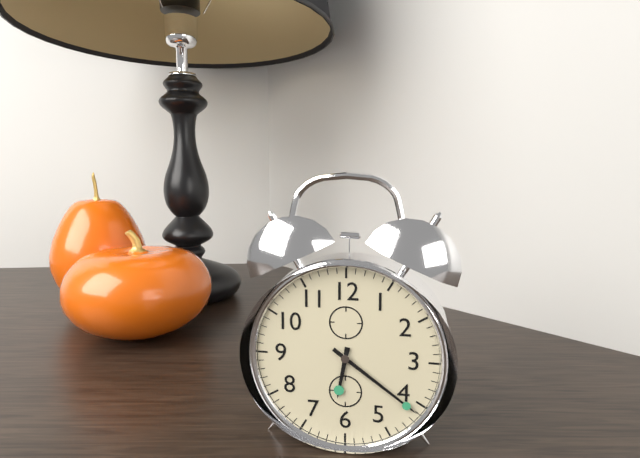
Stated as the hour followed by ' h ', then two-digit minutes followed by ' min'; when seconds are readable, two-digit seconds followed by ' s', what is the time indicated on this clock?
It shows 6 h 21 min
